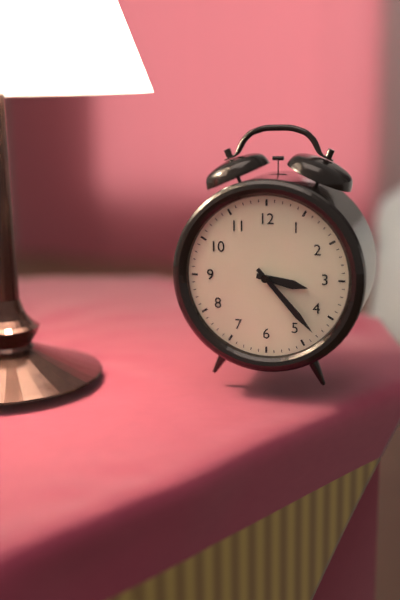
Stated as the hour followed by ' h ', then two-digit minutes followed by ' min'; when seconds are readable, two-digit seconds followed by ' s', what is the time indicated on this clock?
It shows 3 h 23 min
